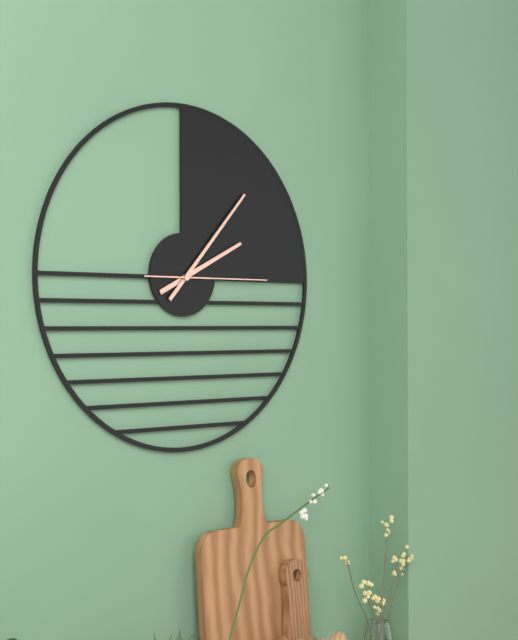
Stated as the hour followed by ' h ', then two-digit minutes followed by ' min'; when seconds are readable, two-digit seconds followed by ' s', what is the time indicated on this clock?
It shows 2 h 07 min 15 s
